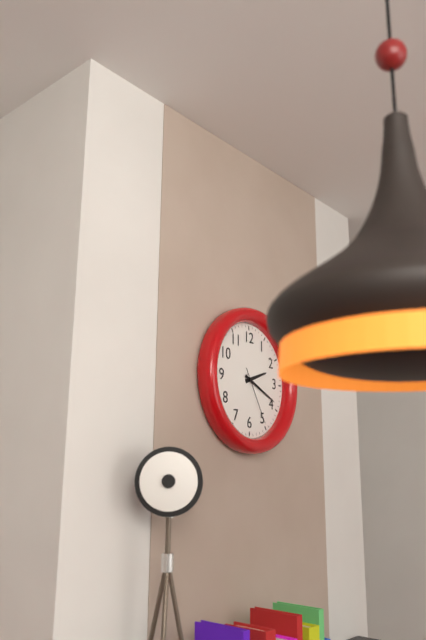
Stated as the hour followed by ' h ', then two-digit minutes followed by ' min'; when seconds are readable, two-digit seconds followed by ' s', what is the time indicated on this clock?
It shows 2 h 19 min 25 s
